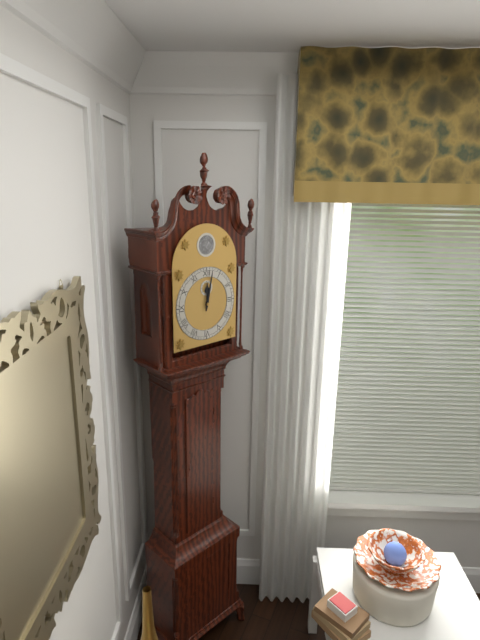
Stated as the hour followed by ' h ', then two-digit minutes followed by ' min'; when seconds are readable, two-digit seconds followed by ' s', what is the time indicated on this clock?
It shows 12 h 02 min
